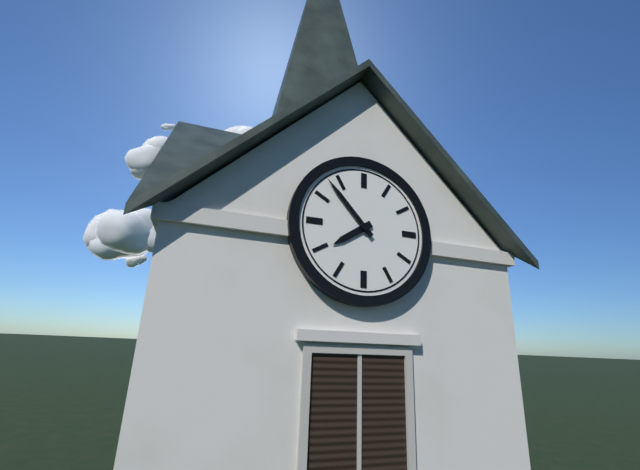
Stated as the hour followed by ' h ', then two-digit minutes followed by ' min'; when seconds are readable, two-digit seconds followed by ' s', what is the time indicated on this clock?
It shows 7 h 53 min
